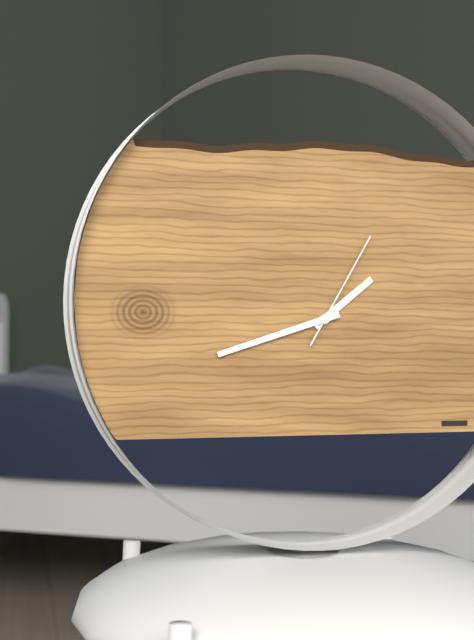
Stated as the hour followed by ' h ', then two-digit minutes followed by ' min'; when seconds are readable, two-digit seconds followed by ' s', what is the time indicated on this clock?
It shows 1 h 42 min 05 s
